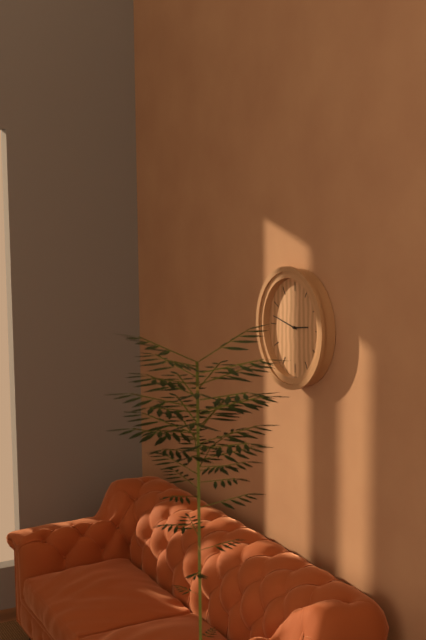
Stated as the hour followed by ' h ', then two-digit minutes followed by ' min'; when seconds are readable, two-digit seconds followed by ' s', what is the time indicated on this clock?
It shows 2 h 47 min
